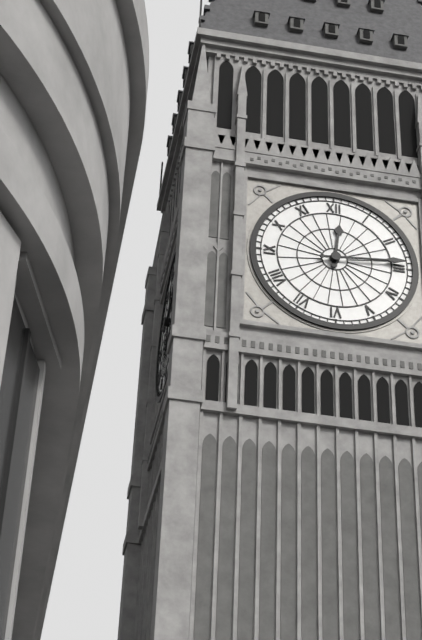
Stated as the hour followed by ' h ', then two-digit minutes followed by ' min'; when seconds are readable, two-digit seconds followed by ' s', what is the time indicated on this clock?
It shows 12 h 14 min
